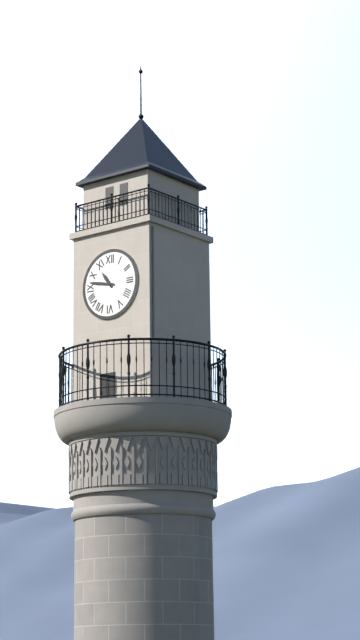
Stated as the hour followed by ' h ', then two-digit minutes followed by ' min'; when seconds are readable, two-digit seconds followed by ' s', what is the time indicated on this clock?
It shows 10 h 47 min
